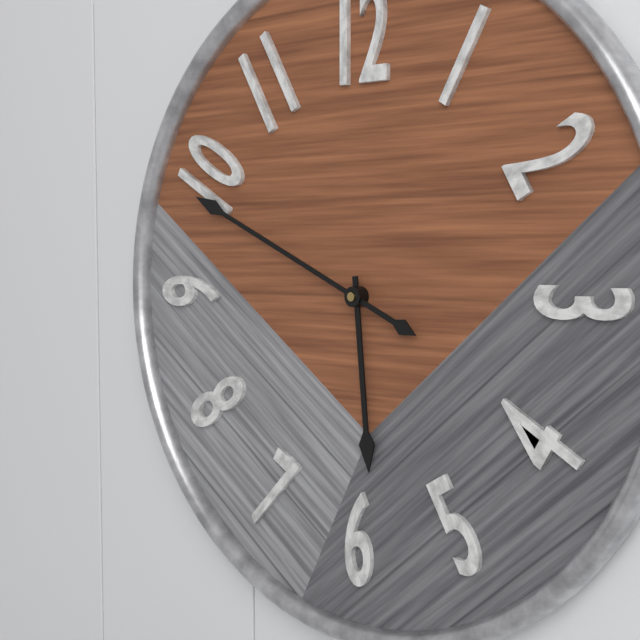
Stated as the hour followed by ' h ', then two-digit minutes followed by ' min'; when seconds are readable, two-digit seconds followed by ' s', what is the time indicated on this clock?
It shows 5 h 49 min
